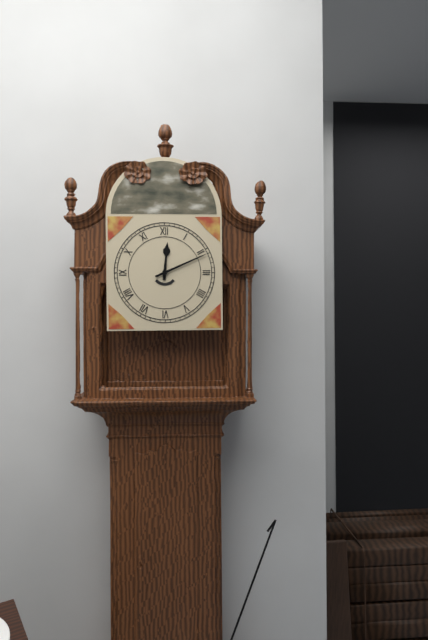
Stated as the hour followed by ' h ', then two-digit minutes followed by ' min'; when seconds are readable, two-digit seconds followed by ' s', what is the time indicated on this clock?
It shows 12 h 11 min
